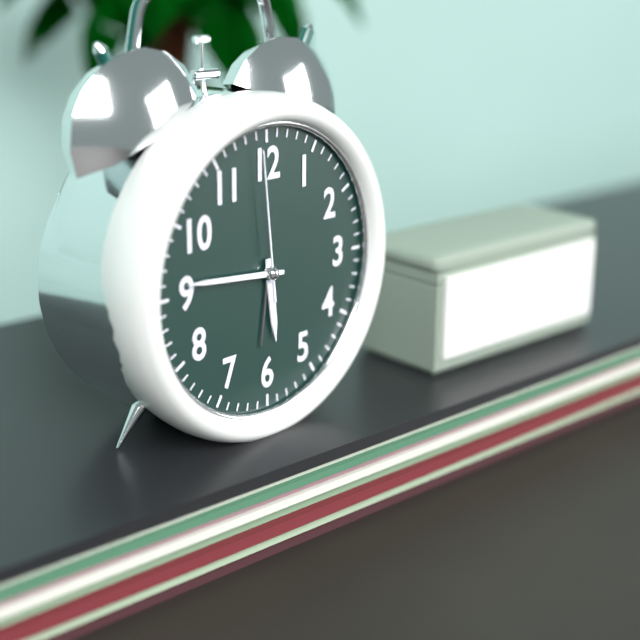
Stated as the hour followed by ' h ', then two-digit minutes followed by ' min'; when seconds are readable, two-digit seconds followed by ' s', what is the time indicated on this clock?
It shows 5 h 46 min 59 s
